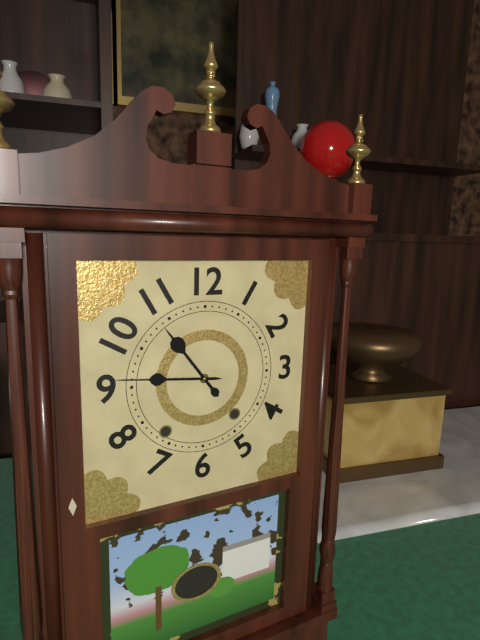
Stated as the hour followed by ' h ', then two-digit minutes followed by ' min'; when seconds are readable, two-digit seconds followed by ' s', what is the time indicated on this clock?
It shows 10 h 46 min
